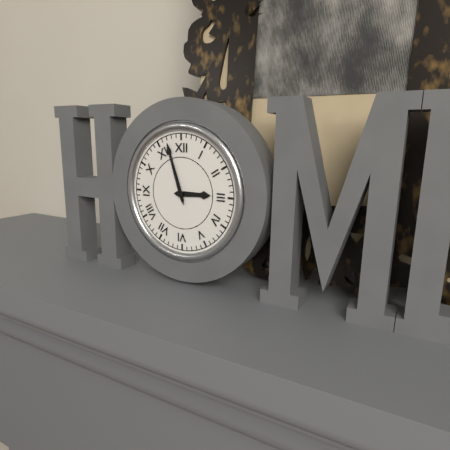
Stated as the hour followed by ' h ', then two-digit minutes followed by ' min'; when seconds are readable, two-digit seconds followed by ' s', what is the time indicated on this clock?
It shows 2 h 57 min
